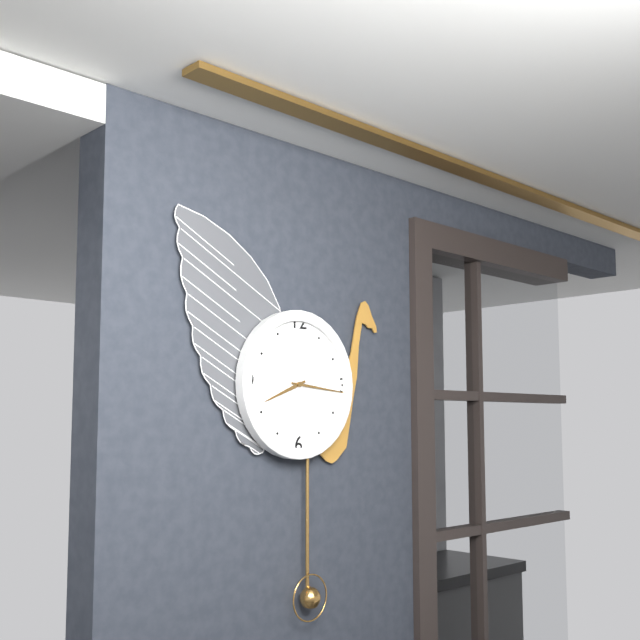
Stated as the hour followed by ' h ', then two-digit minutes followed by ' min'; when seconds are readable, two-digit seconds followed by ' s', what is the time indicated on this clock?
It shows 8 h 16 min
